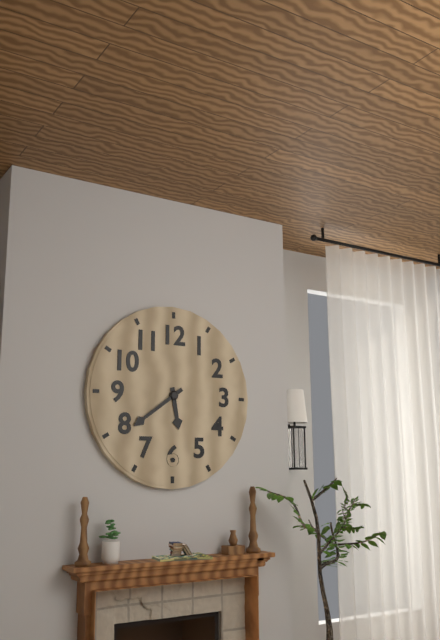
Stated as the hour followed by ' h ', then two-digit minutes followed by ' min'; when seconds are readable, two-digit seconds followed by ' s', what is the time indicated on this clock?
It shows 5 h 39 min
